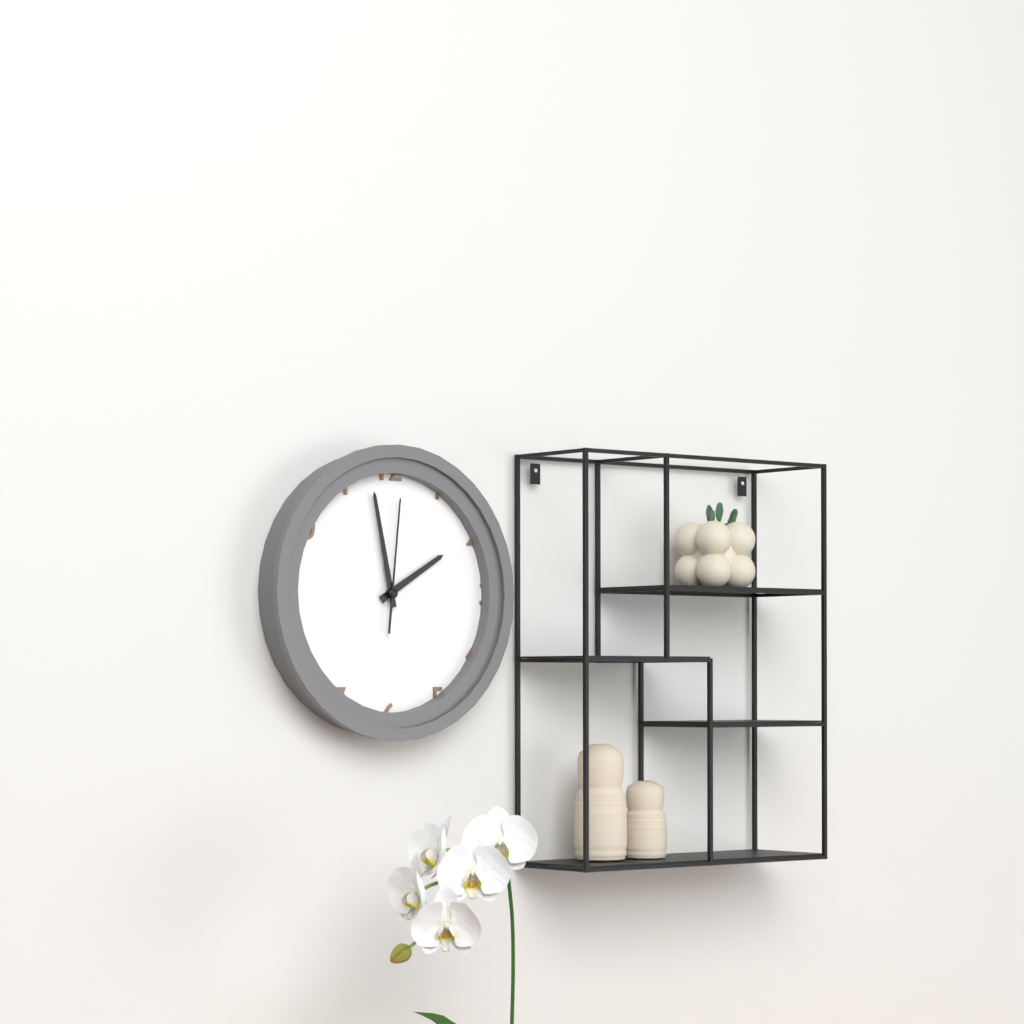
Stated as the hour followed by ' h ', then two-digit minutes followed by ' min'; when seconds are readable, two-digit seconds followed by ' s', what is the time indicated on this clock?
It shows 1 h 58 min 01 s
